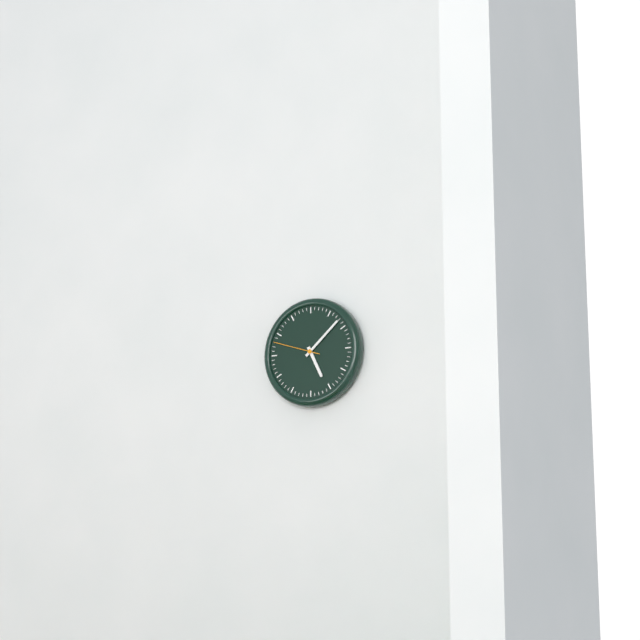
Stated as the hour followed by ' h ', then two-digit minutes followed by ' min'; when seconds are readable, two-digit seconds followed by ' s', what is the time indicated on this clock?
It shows 5 h 08 min
